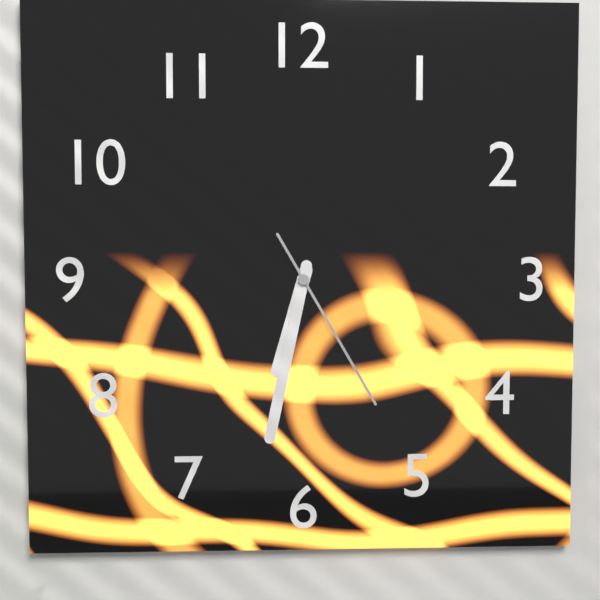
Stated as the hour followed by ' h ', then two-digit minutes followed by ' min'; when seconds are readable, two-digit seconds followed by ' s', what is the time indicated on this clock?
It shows 6 h 32 min 25 s
